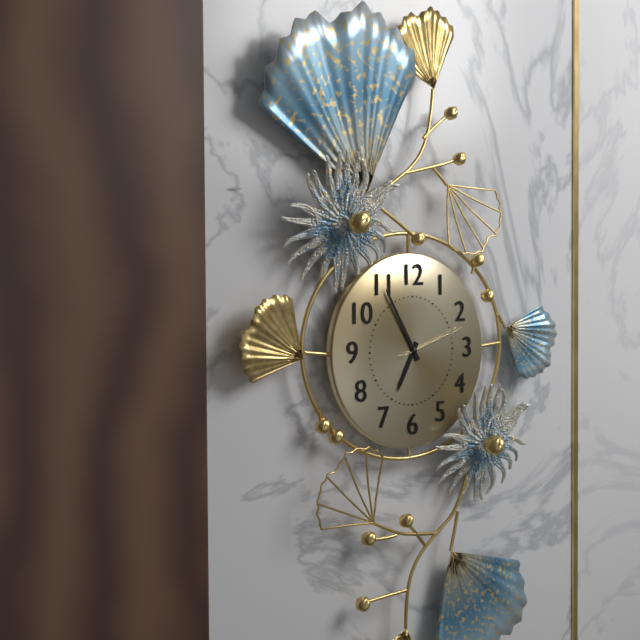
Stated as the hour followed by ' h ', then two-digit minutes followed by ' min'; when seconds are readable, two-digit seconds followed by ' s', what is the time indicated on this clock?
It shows 6 h 55 min 12 s
